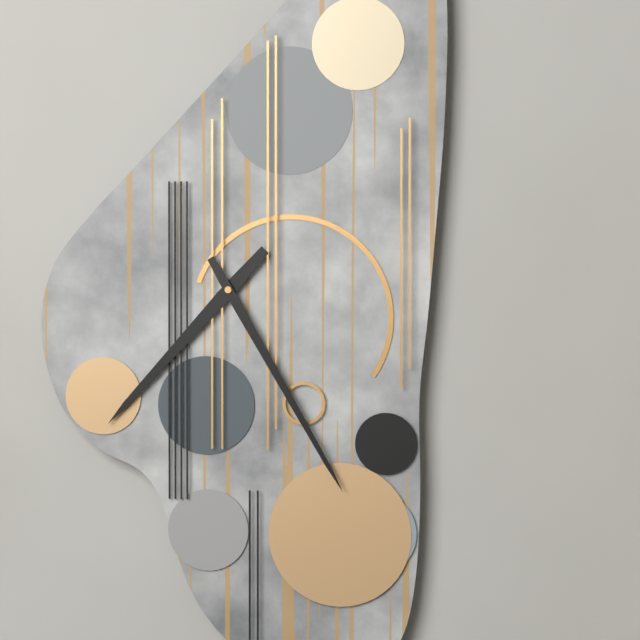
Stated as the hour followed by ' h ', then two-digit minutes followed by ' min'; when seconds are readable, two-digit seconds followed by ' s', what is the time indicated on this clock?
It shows 7 h 25 min
